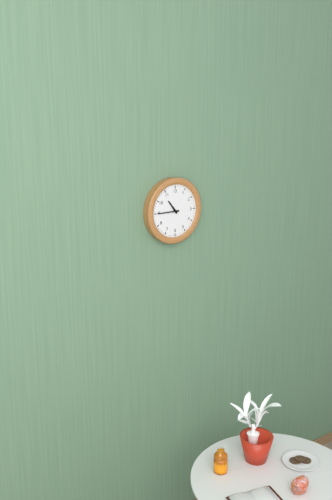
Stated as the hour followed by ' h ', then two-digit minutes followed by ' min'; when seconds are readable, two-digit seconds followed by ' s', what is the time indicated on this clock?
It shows 10 h 45 min
